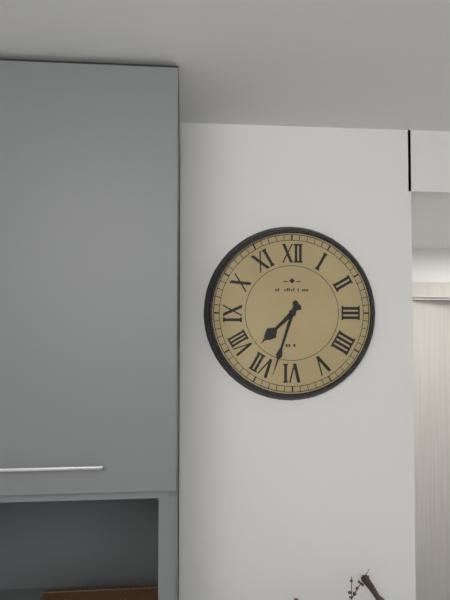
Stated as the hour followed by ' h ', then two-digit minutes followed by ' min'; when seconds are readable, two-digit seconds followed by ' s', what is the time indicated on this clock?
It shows 7 h 33 min
